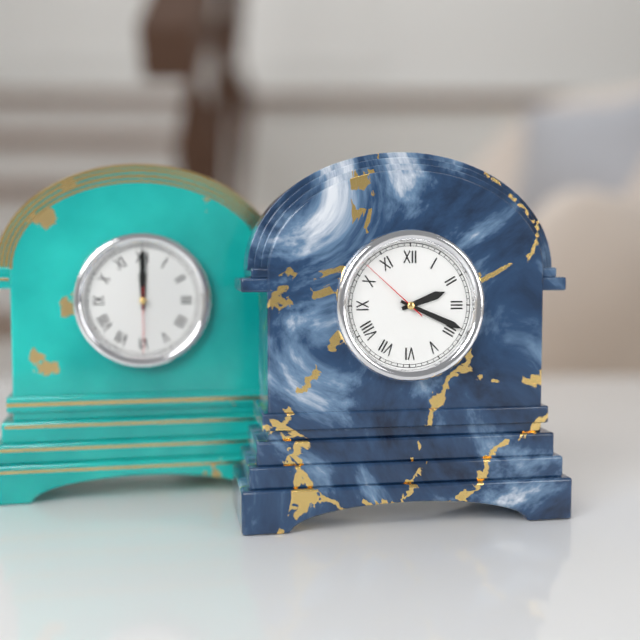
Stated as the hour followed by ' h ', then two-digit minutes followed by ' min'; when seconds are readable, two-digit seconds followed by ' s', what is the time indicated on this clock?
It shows 2 h 19 min 52 s
